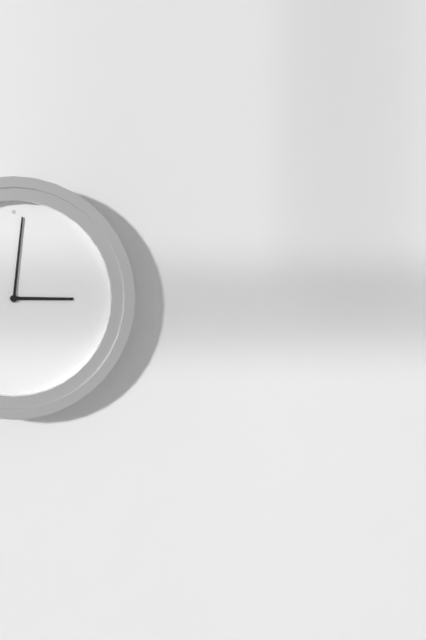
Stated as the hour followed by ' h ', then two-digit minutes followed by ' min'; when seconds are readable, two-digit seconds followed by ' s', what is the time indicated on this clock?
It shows 3 h 01 min
